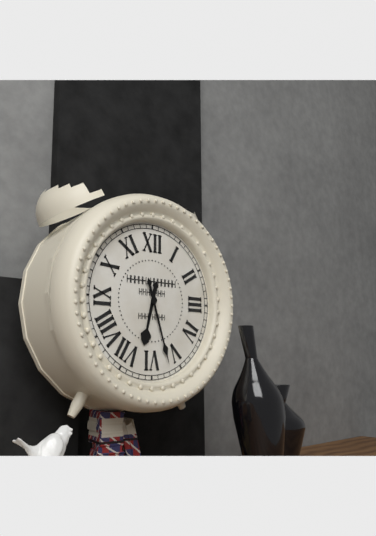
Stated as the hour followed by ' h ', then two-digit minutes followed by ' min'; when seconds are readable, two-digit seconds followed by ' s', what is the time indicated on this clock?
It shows 6 h 27 min
